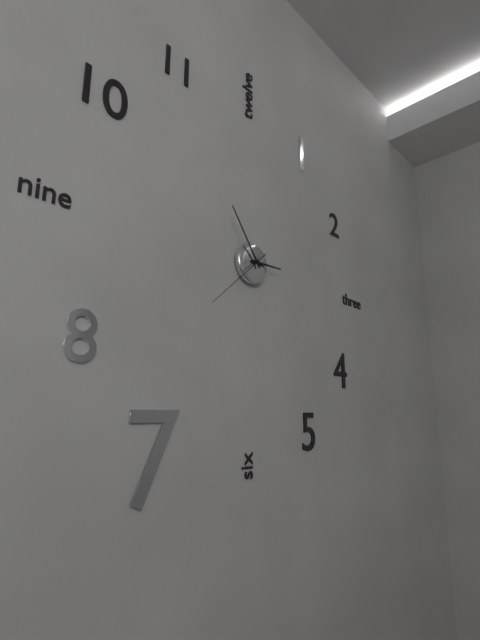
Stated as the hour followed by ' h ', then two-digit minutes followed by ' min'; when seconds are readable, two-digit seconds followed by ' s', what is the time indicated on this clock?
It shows 2 h 54 min 38 s
